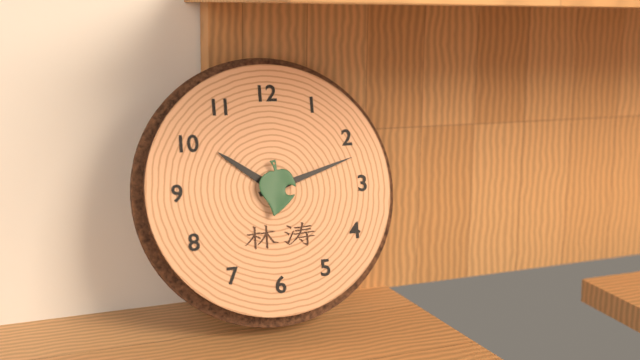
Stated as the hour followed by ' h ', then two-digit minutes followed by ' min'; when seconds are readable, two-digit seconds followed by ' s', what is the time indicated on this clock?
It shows 10 h 12 min
